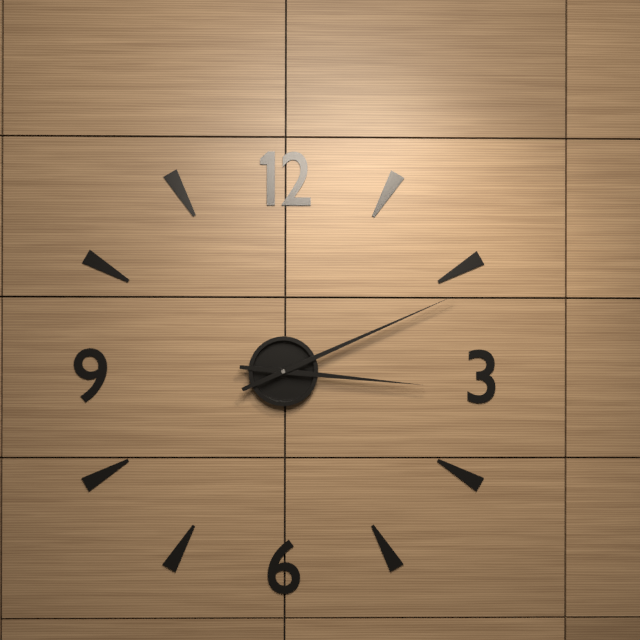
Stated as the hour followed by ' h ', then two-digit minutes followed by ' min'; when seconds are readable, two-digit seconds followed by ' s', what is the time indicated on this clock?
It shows 3 h 11 min
